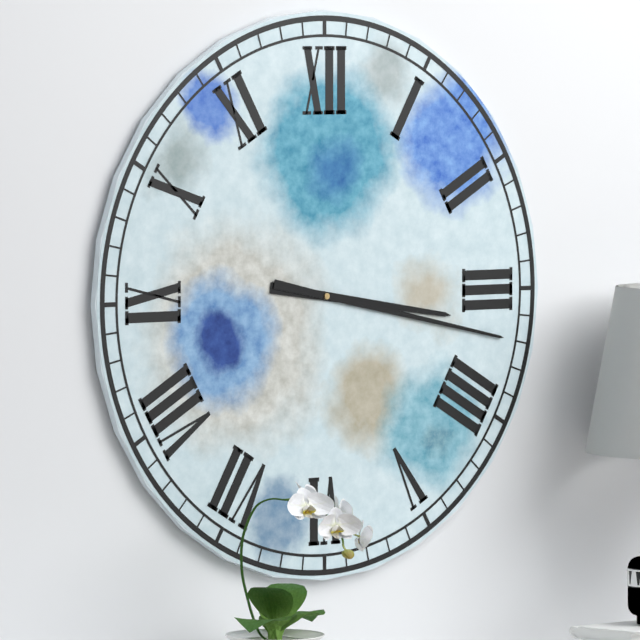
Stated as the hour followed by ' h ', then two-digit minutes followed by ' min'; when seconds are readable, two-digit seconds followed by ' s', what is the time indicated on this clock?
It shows 3 h 17 min
